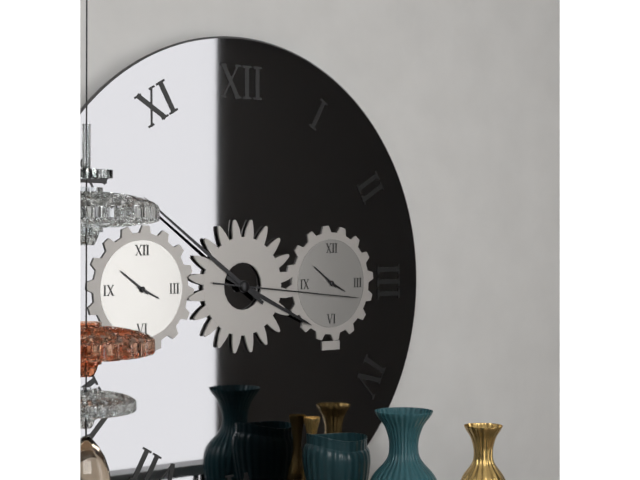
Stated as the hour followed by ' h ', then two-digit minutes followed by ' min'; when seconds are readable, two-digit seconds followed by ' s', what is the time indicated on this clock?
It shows 3 h 51 min 16 s
